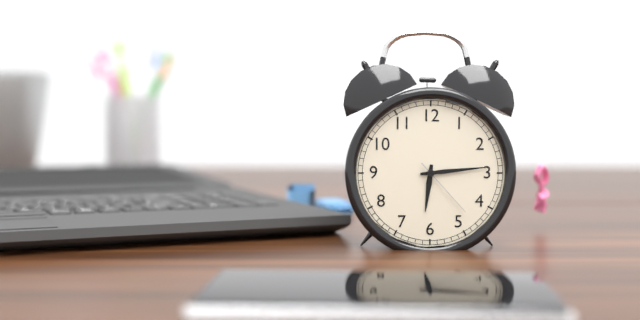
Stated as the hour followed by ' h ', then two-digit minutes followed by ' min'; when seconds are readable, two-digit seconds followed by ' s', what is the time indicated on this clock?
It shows 6 h 14 min 23 s
